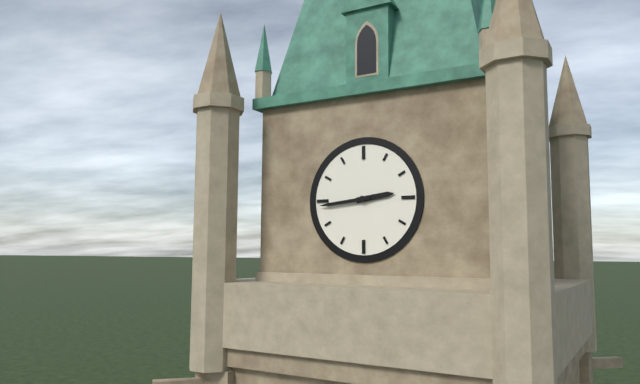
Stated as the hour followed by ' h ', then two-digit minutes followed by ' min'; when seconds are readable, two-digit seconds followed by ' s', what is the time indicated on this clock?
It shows 2 h 44 min
